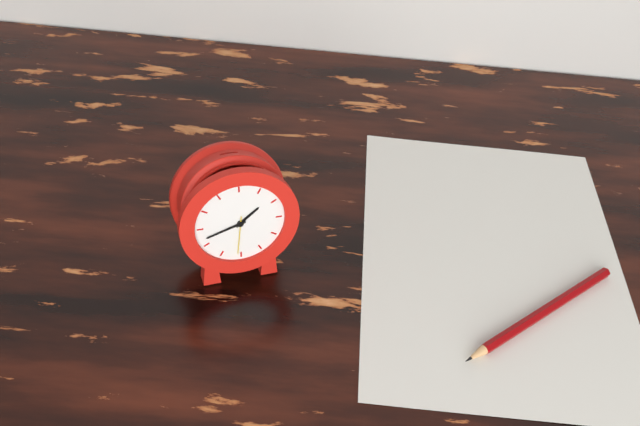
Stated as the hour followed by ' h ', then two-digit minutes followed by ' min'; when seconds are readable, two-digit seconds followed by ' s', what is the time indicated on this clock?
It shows 1 h 42 min
